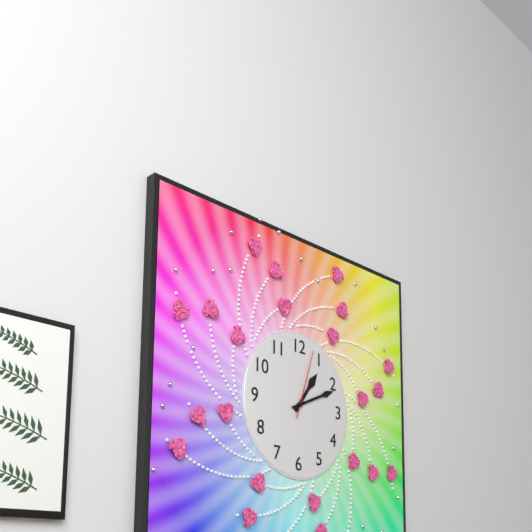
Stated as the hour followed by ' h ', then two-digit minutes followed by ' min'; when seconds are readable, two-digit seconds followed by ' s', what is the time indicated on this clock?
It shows 1 h 11 min 03 s
